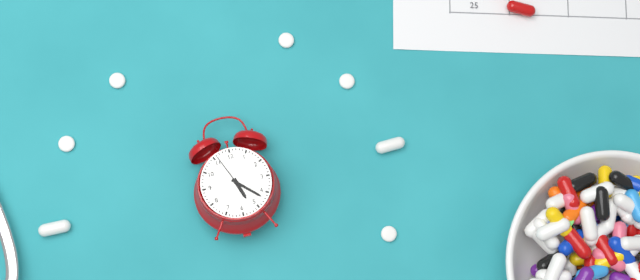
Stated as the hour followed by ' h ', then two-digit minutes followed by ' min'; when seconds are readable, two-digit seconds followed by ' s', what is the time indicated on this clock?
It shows 5 h 22 min
